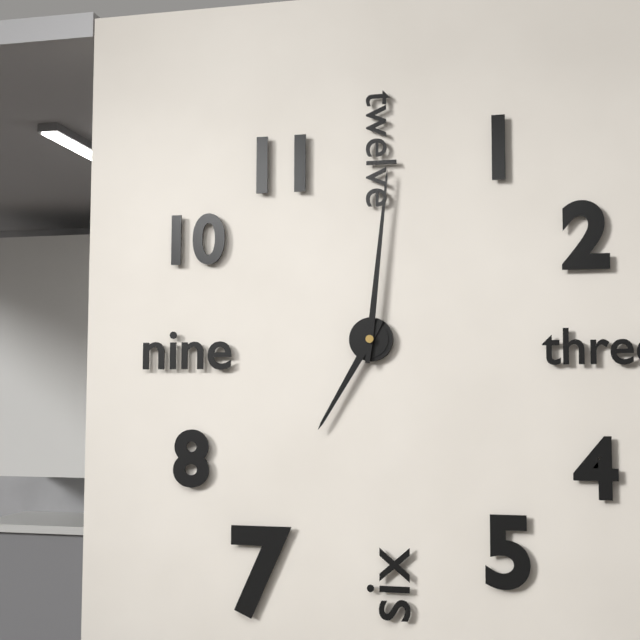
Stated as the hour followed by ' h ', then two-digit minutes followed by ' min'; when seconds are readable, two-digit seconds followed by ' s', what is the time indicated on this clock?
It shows 7 h 01 min
